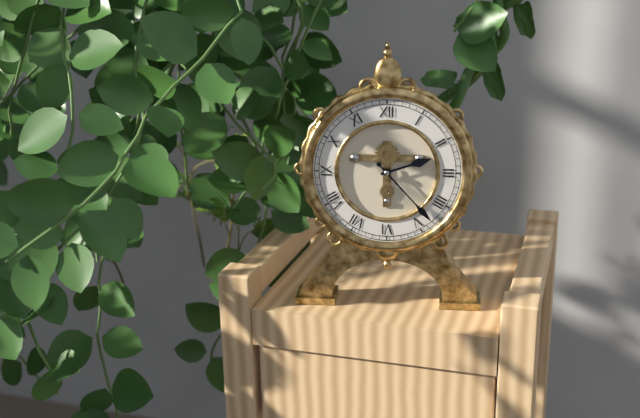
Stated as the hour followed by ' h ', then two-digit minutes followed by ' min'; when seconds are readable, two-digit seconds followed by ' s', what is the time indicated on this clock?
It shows 2 h 23 min
